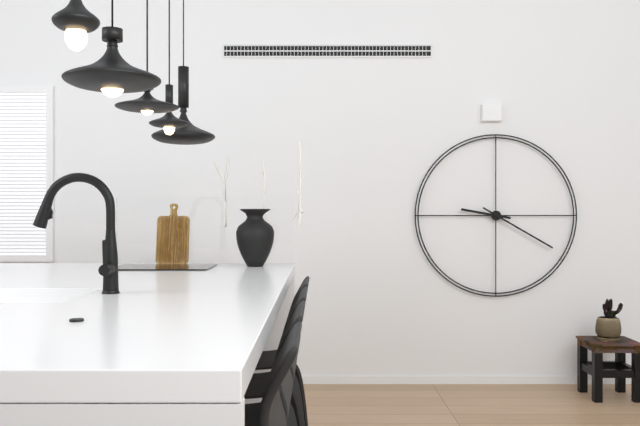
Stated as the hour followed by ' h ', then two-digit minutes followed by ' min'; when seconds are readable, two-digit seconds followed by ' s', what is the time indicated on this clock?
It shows 9 h 20 min
